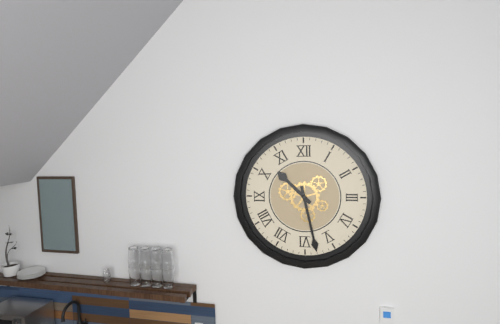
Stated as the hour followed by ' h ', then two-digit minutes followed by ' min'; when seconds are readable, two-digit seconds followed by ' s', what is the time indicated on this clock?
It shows 10 h 28 min
